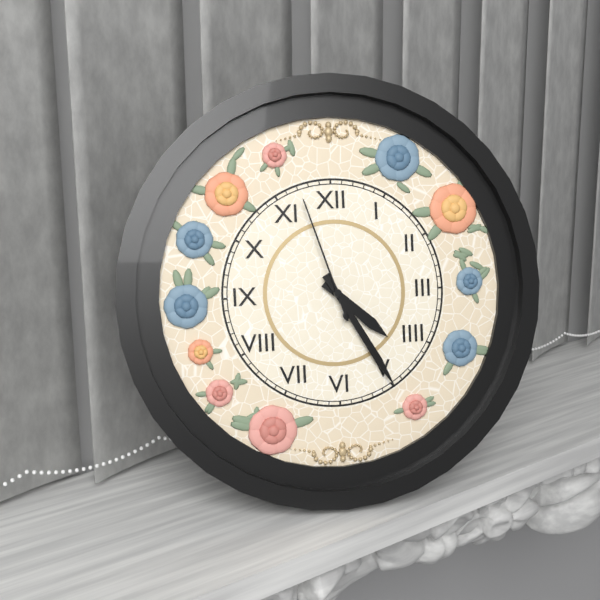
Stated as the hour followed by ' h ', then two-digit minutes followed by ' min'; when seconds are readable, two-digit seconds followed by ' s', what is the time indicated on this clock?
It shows 4 h 25 min 57 s
